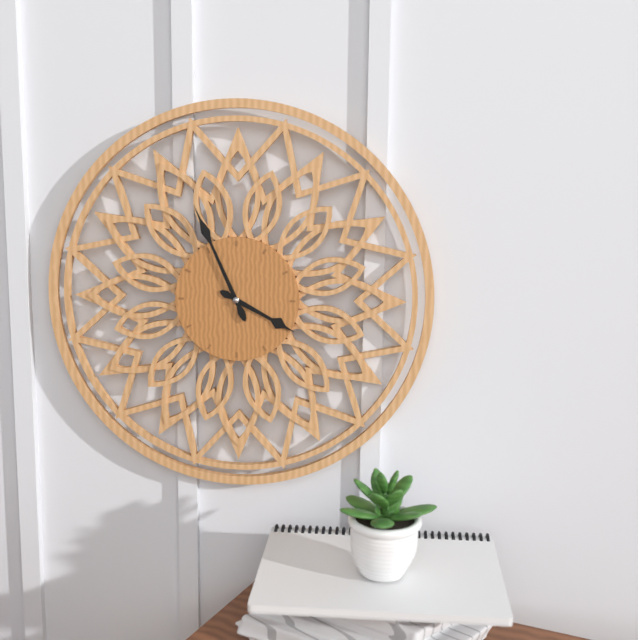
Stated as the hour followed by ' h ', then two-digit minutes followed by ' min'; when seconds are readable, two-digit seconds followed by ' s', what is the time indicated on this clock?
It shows 3 h 56 min
